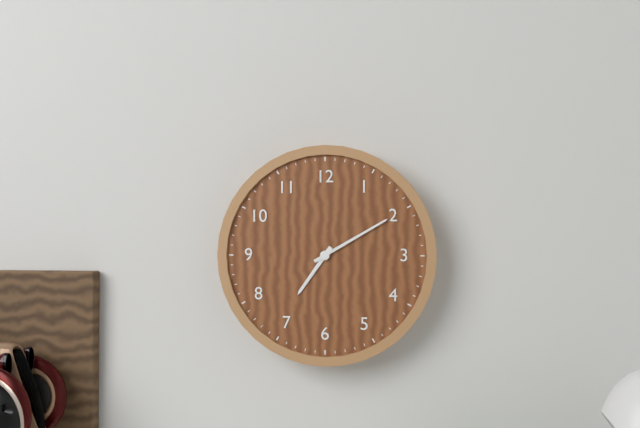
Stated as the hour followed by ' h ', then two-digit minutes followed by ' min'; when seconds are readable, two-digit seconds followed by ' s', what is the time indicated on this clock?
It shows 7 h 10 min
